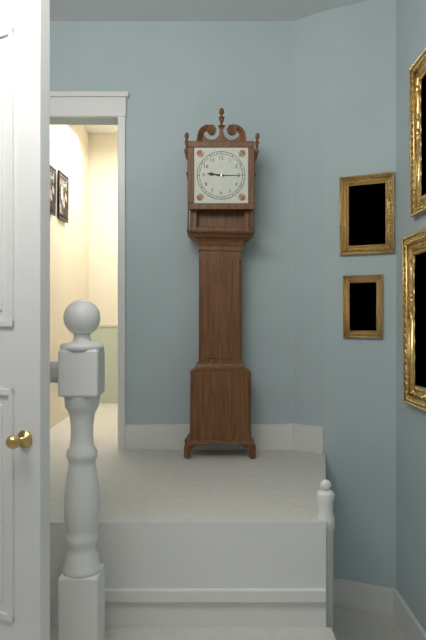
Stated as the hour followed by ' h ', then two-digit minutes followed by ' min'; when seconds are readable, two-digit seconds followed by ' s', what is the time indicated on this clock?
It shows 9 h 15 min
